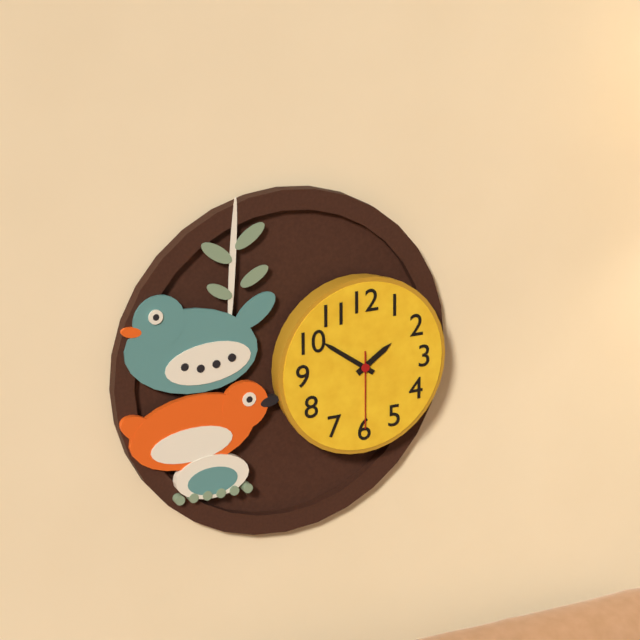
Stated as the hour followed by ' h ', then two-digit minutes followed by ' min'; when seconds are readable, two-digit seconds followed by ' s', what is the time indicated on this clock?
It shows 1 h 51 min 30 s
